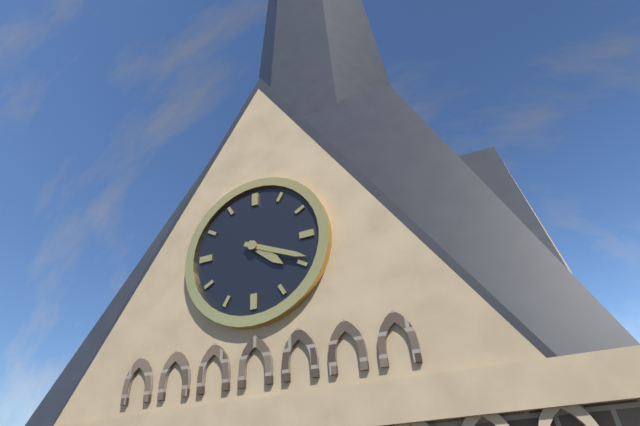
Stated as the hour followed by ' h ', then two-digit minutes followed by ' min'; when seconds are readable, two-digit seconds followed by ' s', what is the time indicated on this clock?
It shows 4 h 19 min
